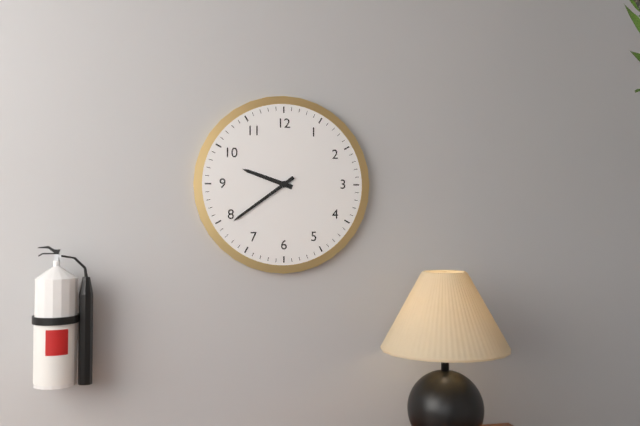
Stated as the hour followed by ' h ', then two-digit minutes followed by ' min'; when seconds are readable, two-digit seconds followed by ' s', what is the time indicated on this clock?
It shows 9 h 39 min
